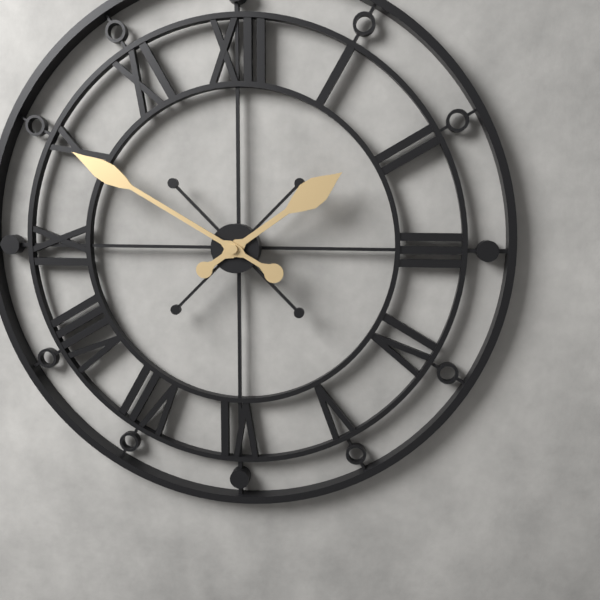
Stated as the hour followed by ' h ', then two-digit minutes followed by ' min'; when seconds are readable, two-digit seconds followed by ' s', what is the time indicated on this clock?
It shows 1 h 50 min
